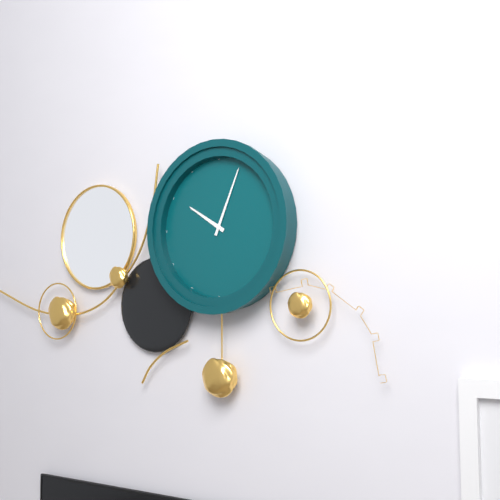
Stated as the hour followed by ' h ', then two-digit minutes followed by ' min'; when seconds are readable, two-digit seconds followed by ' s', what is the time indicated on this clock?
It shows 10 h 04 min
